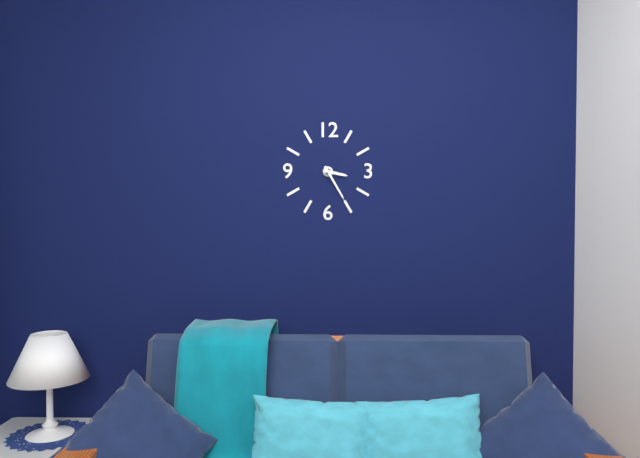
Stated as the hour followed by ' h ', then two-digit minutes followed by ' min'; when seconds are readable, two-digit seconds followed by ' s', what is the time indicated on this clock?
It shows 3 h 25 min
